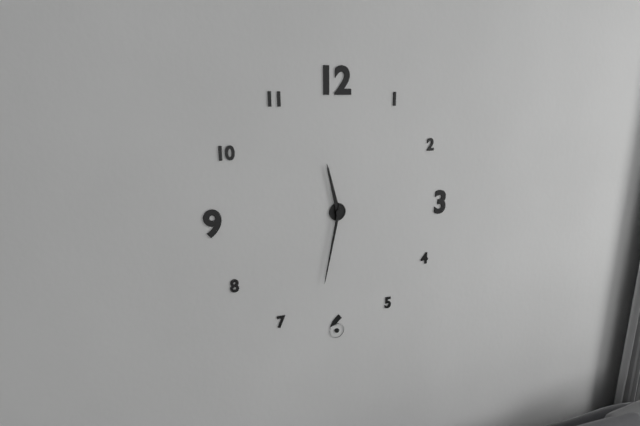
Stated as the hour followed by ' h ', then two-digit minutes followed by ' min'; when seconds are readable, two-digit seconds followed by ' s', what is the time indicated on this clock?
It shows 11 h 32 min
